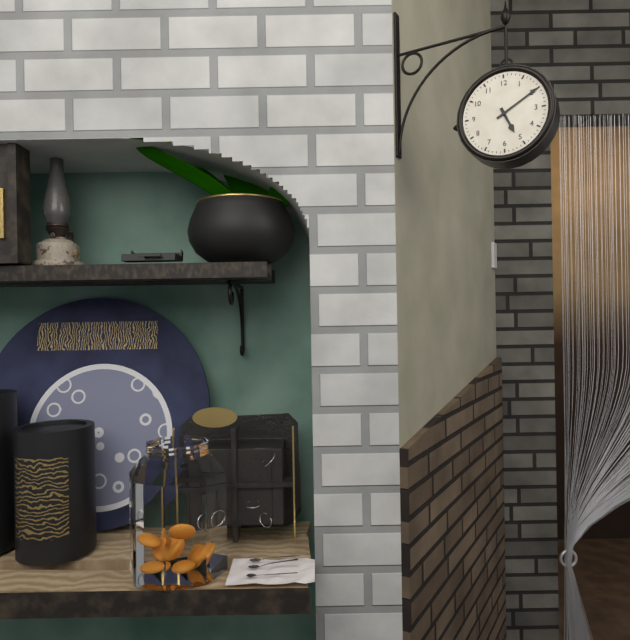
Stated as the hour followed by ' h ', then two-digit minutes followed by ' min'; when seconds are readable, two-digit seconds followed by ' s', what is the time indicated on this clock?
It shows 5 h 10 min
